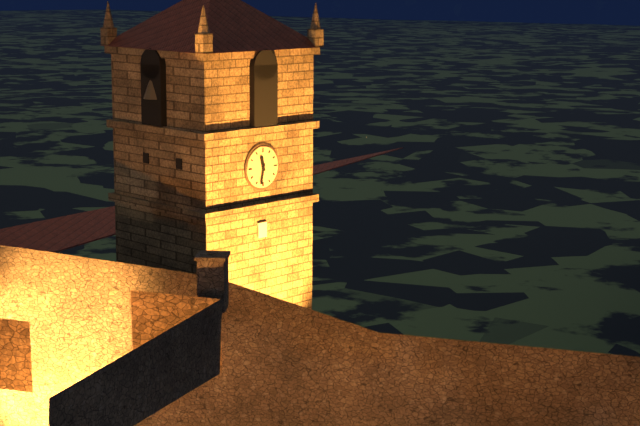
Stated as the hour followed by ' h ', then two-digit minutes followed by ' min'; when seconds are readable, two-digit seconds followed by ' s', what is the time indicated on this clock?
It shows 11 h 32 min
